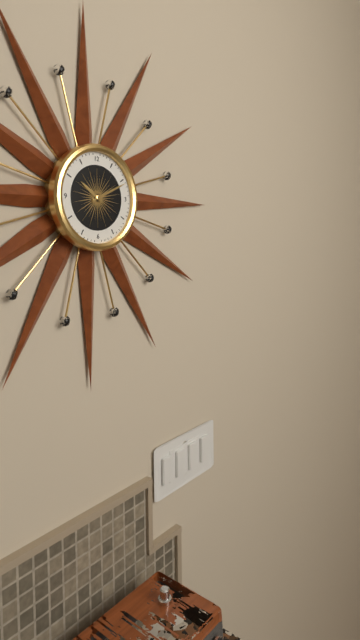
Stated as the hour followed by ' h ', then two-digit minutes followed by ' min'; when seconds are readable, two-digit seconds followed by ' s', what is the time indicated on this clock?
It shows 10 h 11 min
